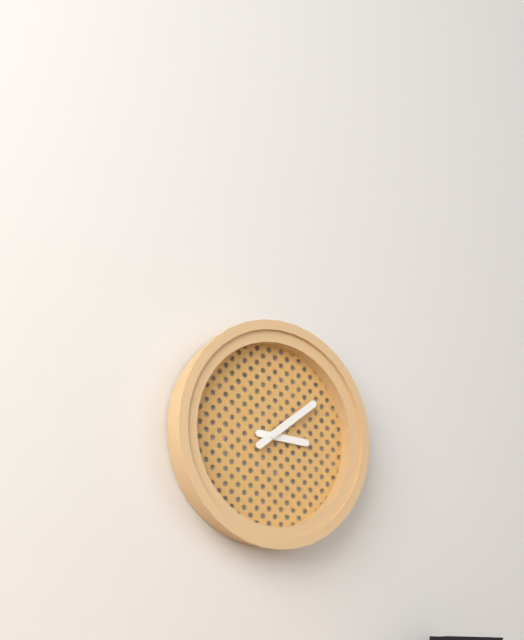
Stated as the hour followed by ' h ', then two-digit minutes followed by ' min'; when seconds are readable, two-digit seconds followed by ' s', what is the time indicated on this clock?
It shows 3 h 09 min
